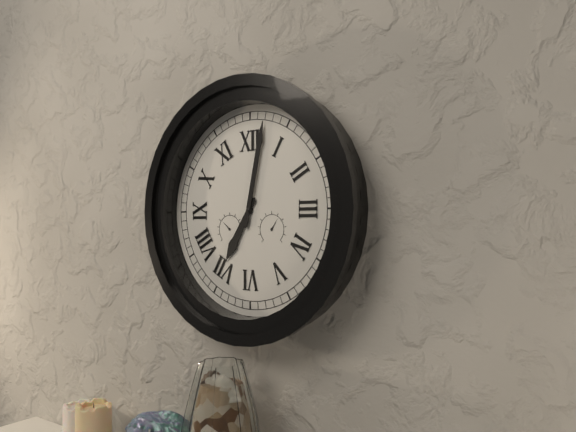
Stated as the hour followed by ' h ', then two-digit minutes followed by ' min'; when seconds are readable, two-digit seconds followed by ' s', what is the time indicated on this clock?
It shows 7 h 02 min
